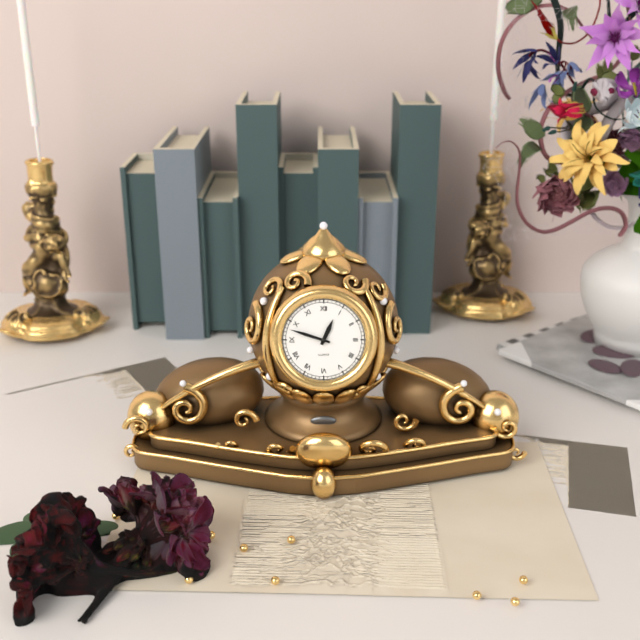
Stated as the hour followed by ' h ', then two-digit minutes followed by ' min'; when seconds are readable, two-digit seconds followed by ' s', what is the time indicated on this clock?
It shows 12 h 48 min
